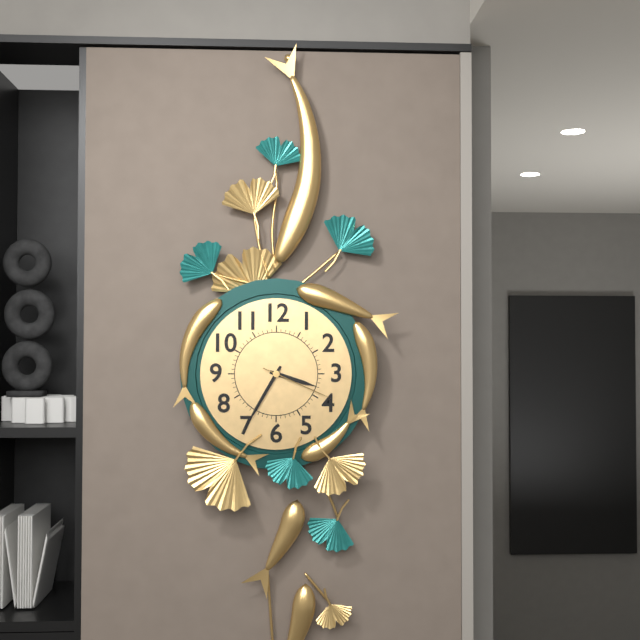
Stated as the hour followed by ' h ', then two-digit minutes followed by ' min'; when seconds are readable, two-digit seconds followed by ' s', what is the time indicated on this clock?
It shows 3 h 35 min 19 s
